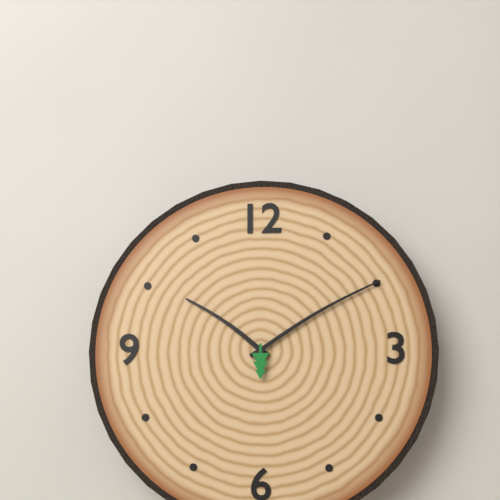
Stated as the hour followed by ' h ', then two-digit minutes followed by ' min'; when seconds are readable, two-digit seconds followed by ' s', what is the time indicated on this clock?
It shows 10 h 10 min
